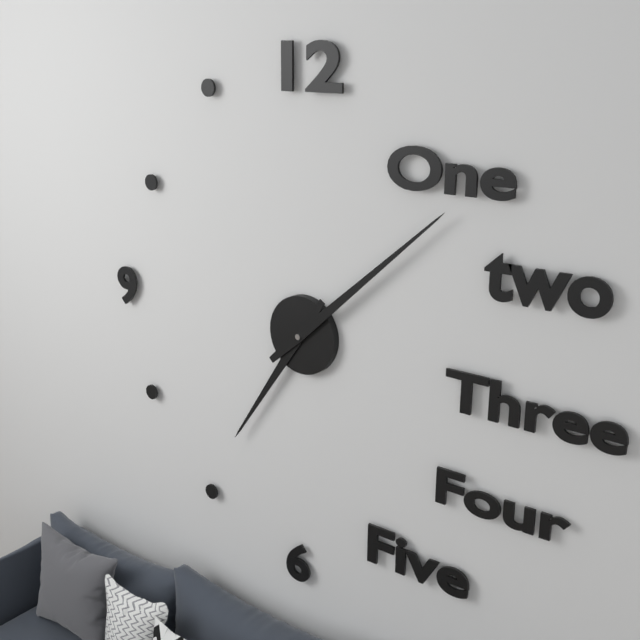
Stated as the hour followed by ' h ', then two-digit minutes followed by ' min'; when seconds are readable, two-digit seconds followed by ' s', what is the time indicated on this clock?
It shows 7 h 08 min
